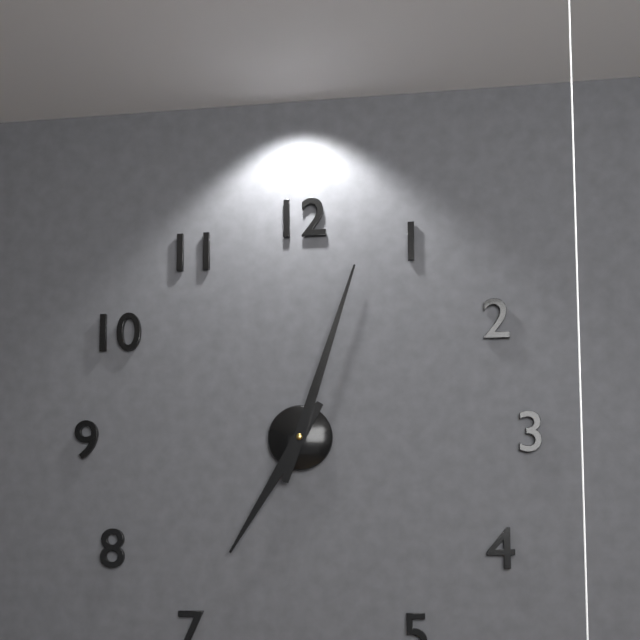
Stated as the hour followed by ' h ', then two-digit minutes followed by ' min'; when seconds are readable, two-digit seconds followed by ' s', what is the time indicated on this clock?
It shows 7 h 03 min
